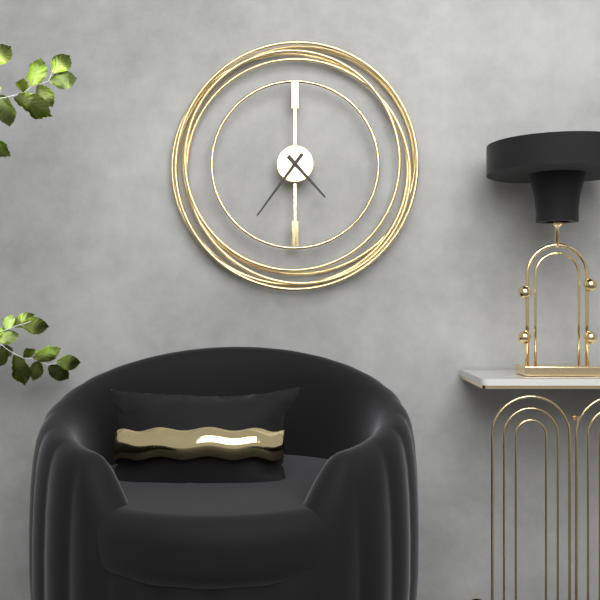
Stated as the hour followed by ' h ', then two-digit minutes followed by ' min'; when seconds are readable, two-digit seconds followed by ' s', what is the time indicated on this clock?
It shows 4 h 36 min
